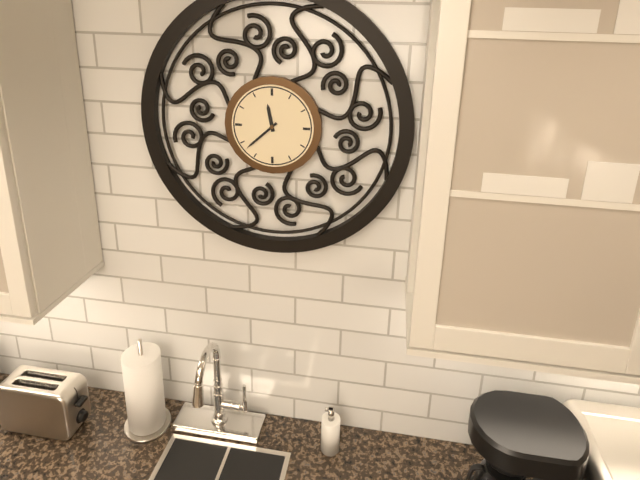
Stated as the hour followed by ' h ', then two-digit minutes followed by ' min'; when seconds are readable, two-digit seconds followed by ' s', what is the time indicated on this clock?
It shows 11 h 38 min
